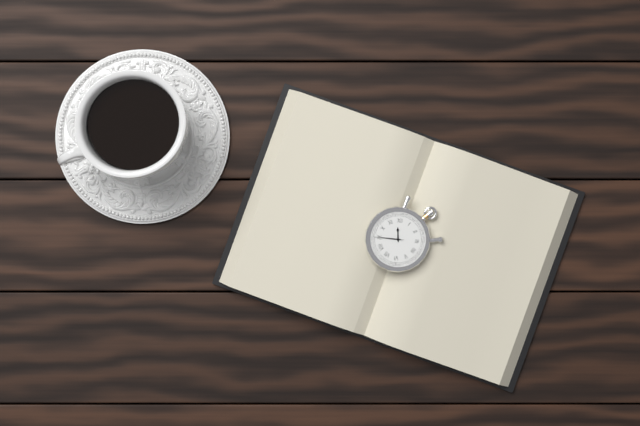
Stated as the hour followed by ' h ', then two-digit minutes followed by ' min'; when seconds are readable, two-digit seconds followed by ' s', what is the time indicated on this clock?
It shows 11 h 45 min
